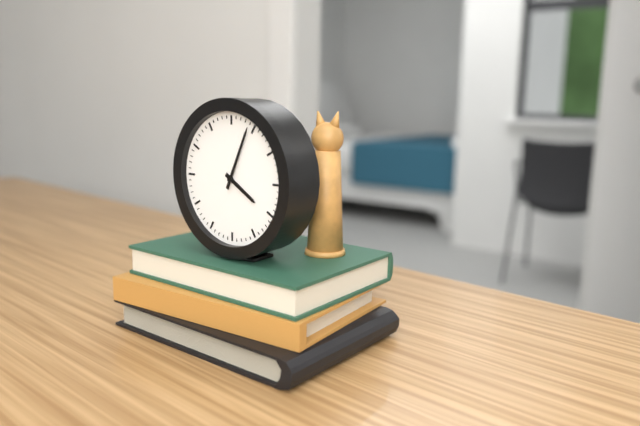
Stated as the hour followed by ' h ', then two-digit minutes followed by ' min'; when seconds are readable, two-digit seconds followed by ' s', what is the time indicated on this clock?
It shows 4 h 04 min
